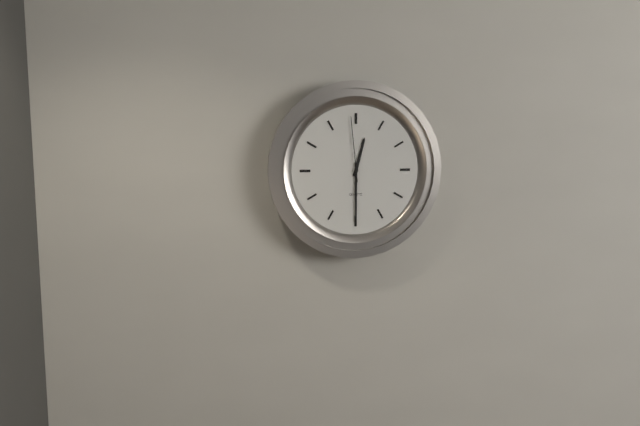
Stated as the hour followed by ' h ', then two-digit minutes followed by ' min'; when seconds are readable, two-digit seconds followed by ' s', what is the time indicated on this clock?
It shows 12 h 30 min 59 s
